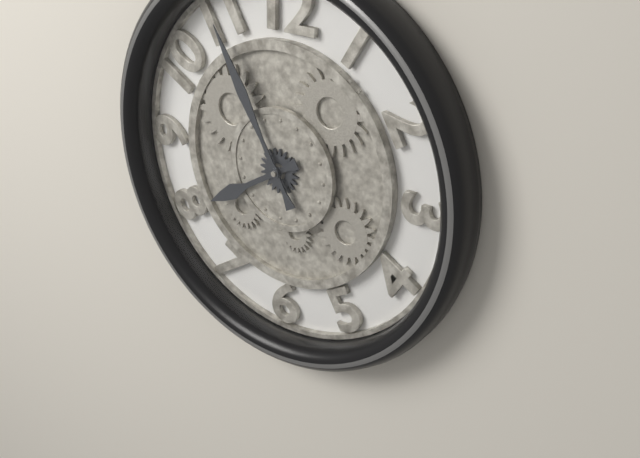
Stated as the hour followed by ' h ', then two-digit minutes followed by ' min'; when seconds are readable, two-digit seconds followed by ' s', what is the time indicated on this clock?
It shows 7 h 55 min
